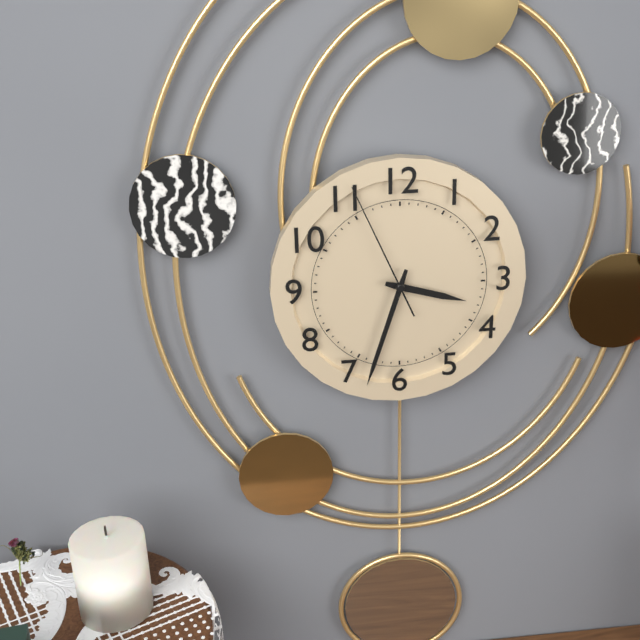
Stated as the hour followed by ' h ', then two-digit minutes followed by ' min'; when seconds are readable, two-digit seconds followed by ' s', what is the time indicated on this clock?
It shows 3 h 33 min 56 s
